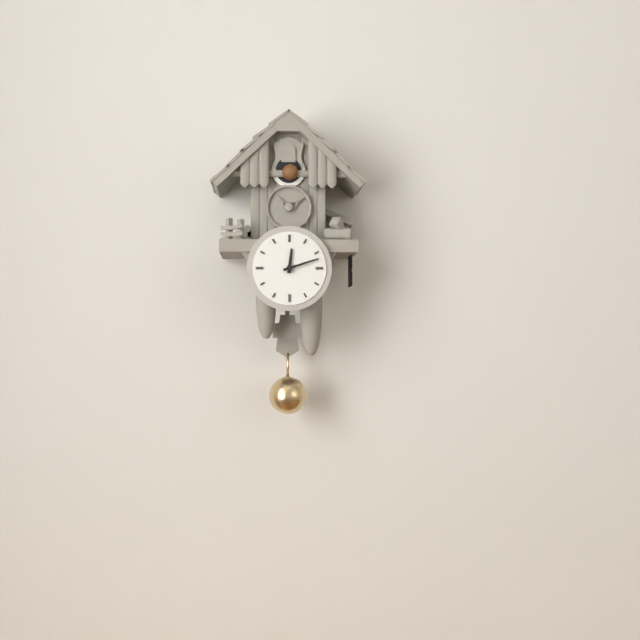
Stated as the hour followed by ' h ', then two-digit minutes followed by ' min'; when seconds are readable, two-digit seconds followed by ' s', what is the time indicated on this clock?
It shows 12 h 12 min
